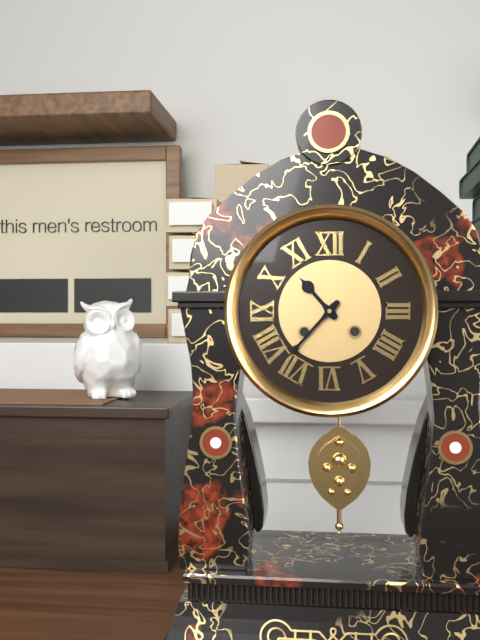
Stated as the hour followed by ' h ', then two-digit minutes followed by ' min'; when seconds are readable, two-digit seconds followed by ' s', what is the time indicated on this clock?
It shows 10 h 37 min
